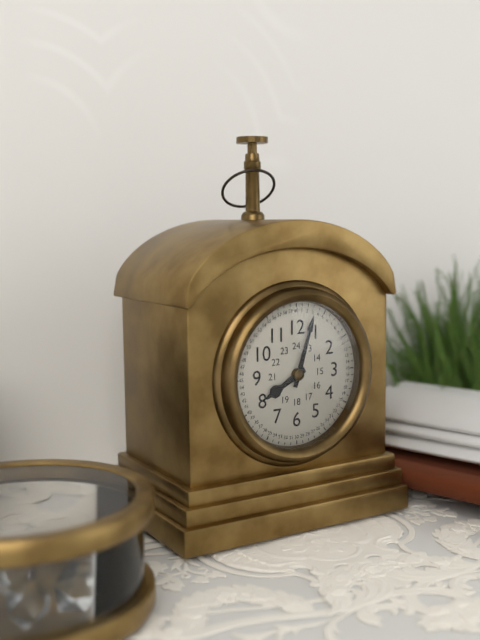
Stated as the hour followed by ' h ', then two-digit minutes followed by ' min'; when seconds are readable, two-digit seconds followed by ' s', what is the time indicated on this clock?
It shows 8 h 03 min
